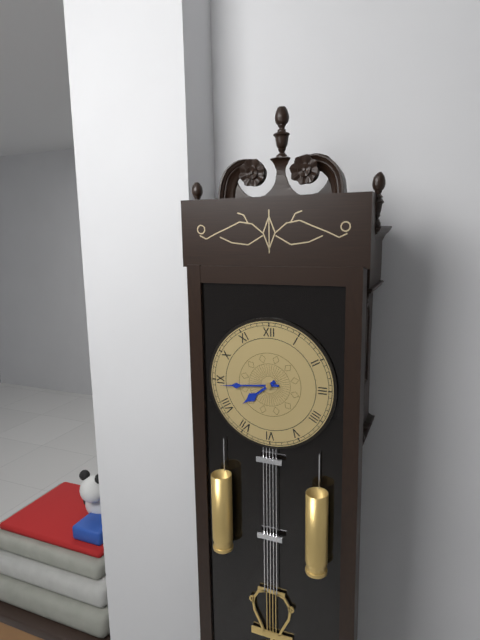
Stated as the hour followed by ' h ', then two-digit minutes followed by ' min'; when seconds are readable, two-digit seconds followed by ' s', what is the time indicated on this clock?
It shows 7 h 44 min
